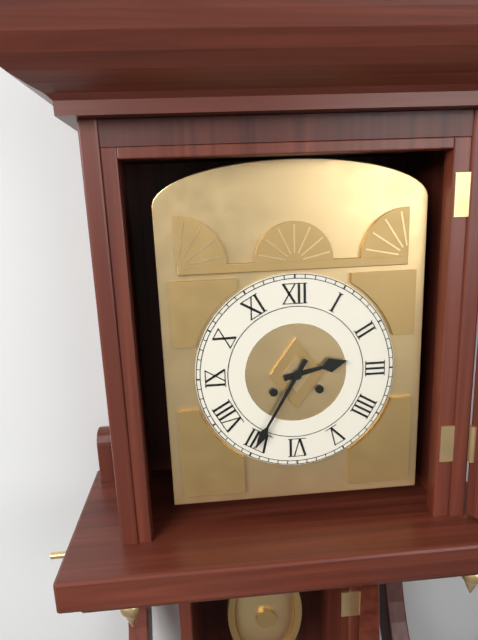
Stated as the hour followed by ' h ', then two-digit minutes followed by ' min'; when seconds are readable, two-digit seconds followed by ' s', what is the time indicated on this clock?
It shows 2 h 35 min
